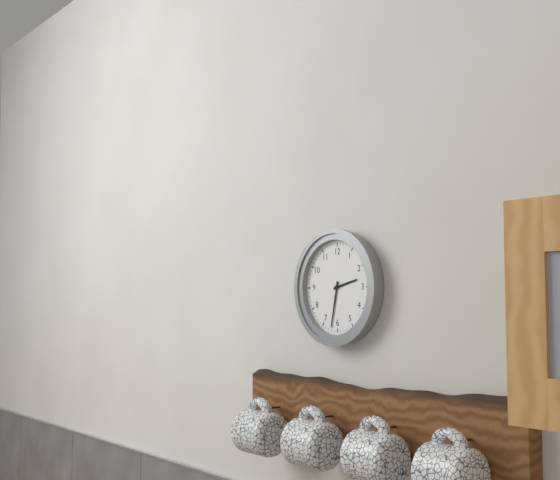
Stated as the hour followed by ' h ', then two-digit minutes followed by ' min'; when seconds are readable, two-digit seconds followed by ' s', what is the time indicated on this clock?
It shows 2 h 32 min
